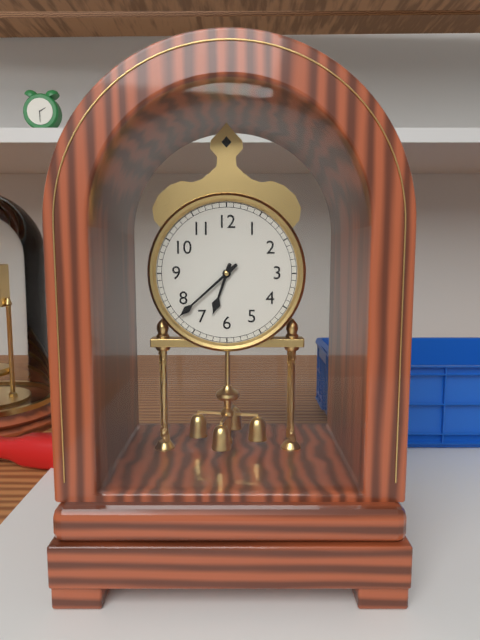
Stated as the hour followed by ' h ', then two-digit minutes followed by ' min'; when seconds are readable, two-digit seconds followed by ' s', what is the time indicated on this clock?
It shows 6 h 38 min
